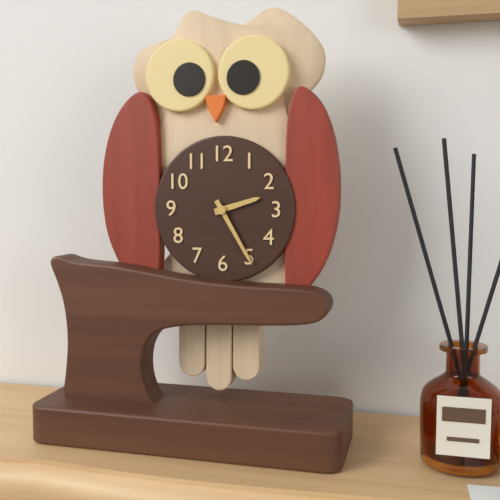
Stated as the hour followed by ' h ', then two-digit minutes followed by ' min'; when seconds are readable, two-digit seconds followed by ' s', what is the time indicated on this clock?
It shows 2 h 25 min
